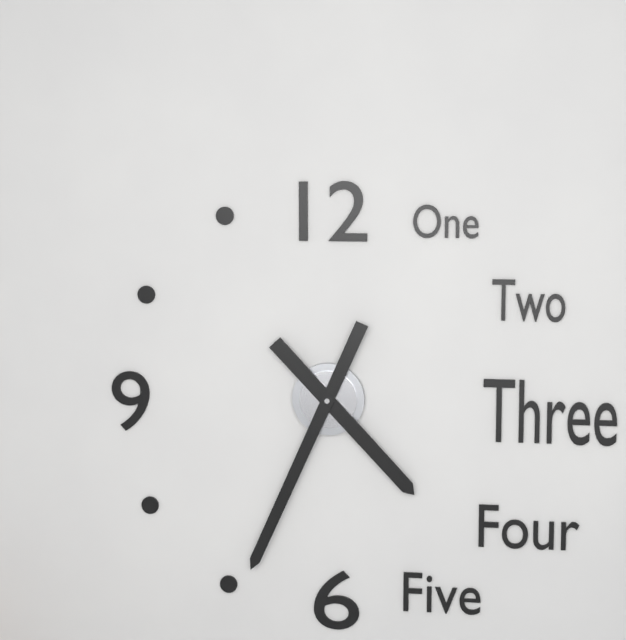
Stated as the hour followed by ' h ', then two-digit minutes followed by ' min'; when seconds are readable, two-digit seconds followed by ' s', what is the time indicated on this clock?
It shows 4 h 34 min
